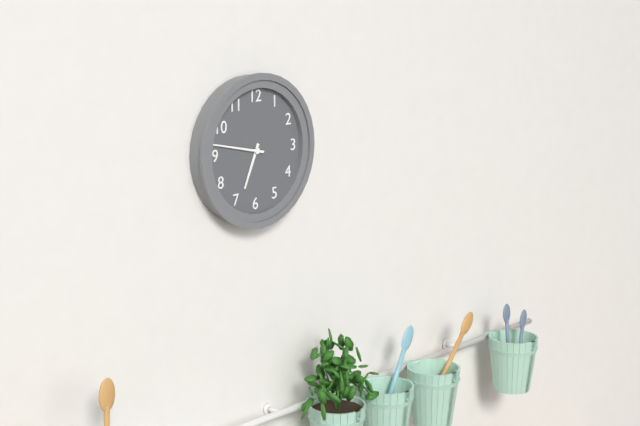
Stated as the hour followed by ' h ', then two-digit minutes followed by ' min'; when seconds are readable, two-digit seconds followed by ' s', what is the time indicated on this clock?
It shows 6 h 47 min
